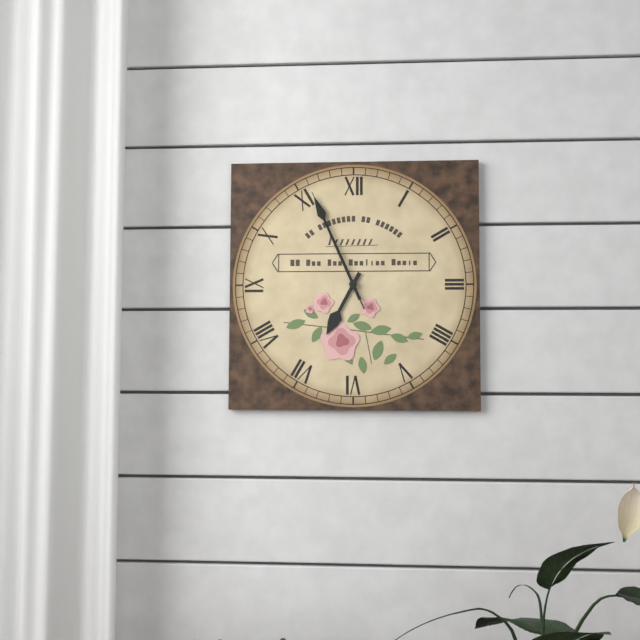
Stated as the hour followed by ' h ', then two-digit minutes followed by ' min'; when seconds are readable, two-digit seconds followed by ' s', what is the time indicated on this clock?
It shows 6 h 56 min 56 s
